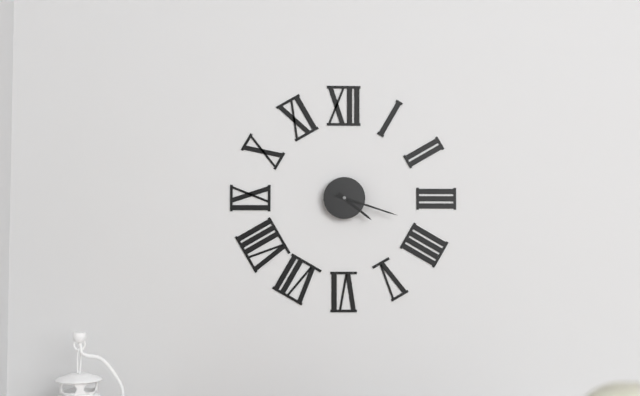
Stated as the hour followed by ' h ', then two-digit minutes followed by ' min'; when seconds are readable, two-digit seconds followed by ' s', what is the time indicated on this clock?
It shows 4 h 18 min
